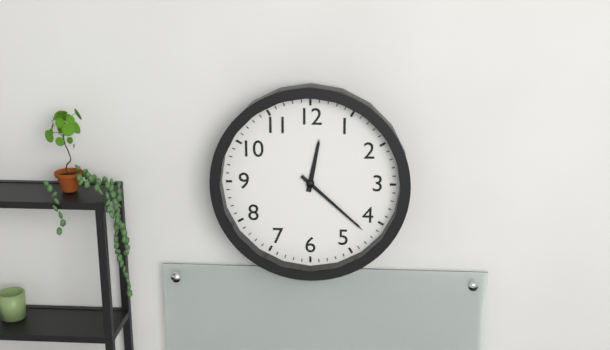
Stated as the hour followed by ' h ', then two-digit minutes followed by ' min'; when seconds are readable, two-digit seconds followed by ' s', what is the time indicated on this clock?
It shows 12 h 22 min
